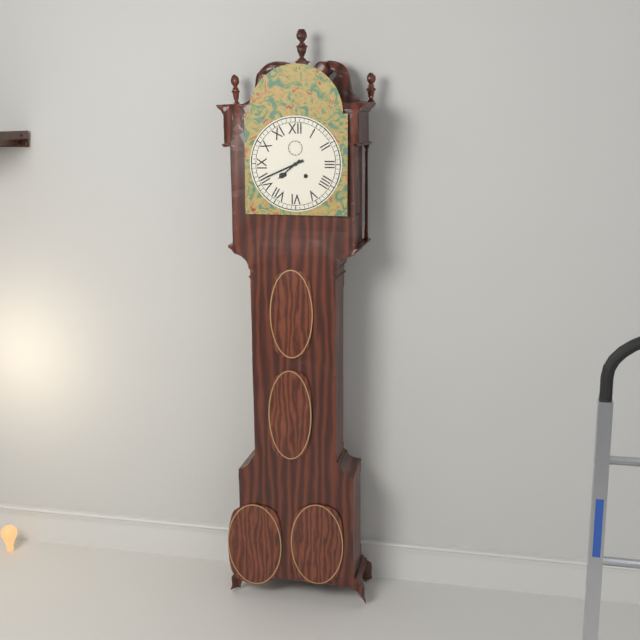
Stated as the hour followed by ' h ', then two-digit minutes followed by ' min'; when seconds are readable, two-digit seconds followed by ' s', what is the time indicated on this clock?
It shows 7 h 41 min
